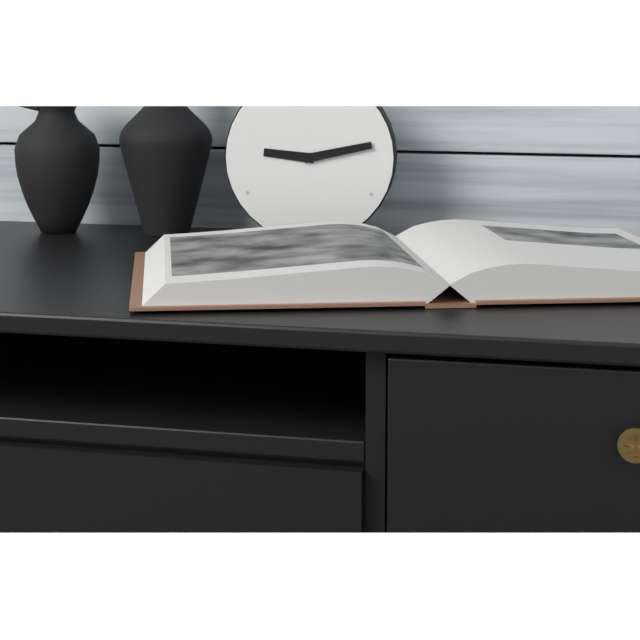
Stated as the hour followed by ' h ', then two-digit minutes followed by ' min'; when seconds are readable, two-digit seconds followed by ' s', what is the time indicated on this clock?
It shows 9 h 13 min
